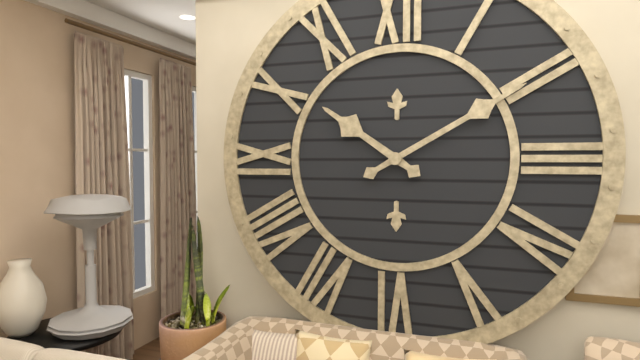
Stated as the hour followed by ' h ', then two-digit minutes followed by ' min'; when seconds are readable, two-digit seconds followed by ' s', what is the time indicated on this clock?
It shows 10 h 10 min
